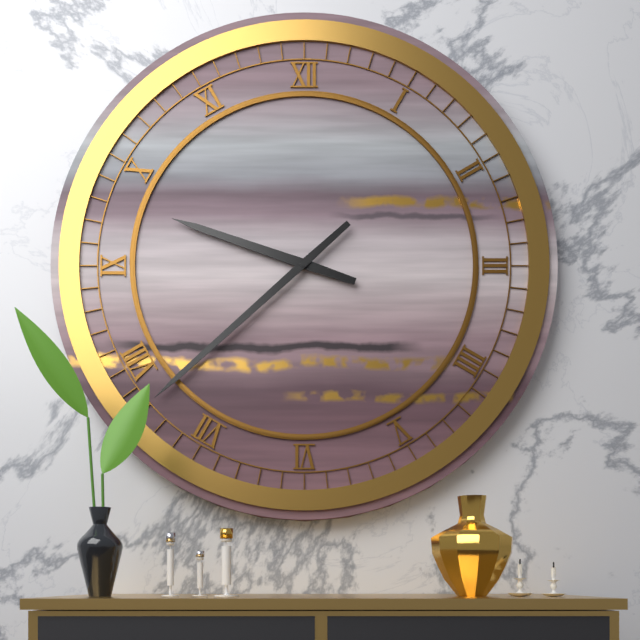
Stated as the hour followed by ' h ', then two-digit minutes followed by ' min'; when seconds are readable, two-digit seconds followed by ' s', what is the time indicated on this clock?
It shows 9 h 38 min
